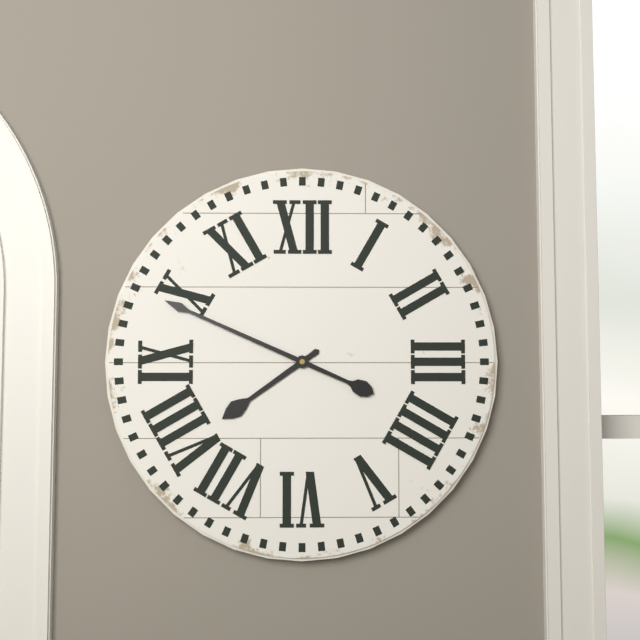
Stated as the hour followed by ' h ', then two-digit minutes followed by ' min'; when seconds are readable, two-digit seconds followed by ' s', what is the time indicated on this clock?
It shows 7 h 49 min
